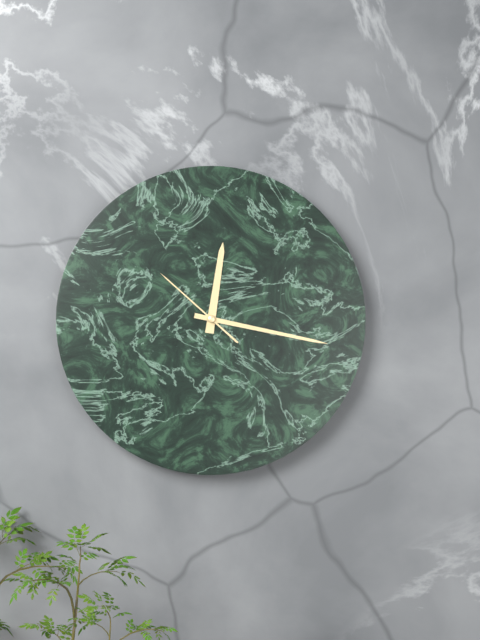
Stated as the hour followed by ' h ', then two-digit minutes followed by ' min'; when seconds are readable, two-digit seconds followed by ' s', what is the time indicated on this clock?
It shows 12 h 17 min 52 s
